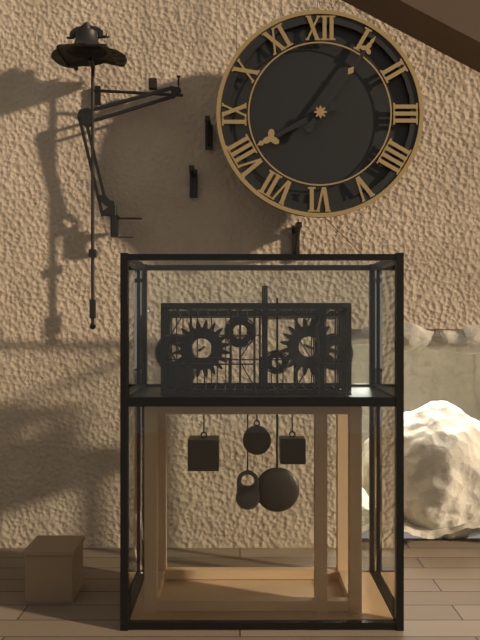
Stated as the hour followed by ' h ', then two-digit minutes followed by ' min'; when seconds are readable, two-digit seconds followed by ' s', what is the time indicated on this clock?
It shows 8 h 06 min
